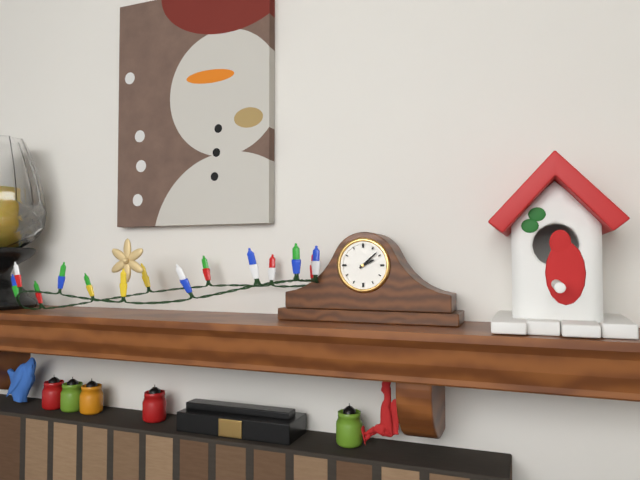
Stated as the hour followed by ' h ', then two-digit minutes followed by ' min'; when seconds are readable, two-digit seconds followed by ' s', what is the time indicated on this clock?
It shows 2 h 08 min
